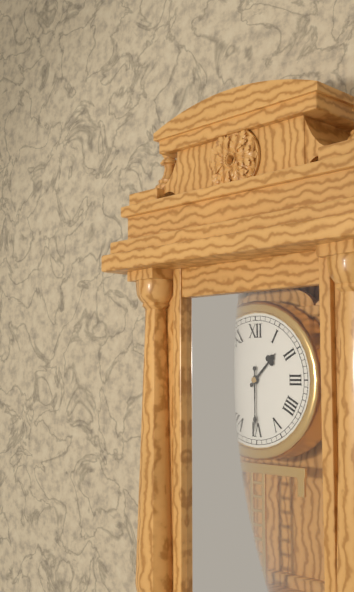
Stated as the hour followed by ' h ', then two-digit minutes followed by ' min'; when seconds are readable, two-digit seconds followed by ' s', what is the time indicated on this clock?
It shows 1 h 30 min
